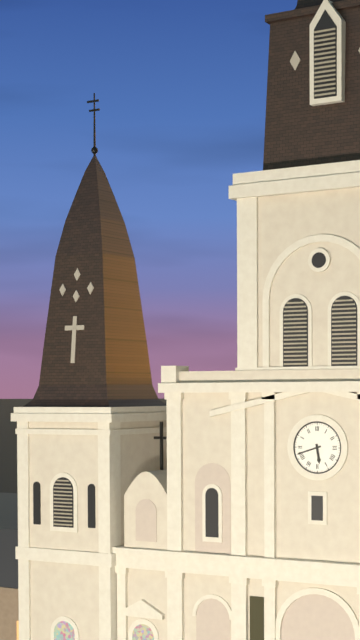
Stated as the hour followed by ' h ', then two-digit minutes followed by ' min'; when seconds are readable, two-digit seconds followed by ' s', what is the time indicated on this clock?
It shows 5 h 42 min
